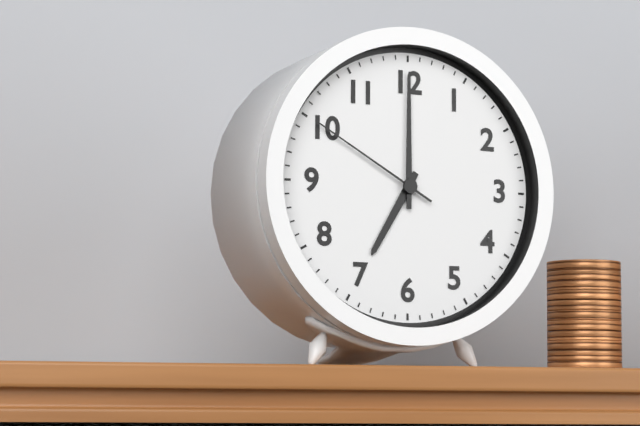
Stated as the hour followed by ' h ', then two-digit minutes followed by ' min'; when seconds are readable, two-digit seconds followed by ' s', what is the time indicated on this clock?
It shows 7 h 00 min 50 s
